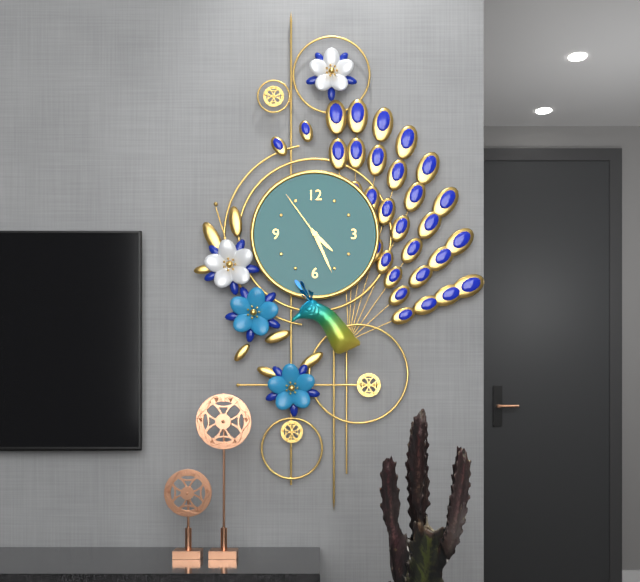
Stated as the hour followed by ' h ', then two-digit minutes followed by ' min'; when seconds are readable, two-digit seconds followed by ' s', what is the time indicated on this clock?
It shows 4 h 26 min 54 s
